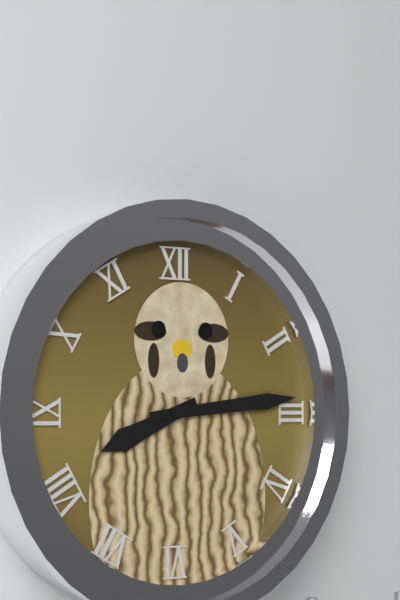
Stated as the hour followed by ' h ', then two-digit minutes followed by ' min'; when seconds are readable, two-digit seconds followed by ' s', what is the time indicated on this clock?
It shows 8 h 14 min
